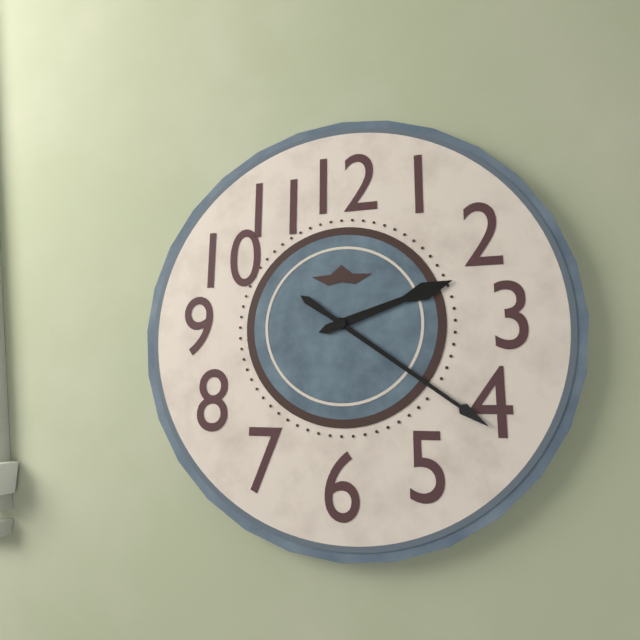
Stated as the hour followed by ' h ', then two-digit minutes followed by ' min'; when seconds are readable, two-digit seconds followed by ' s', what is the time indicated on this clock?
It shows 2 h 21 min
